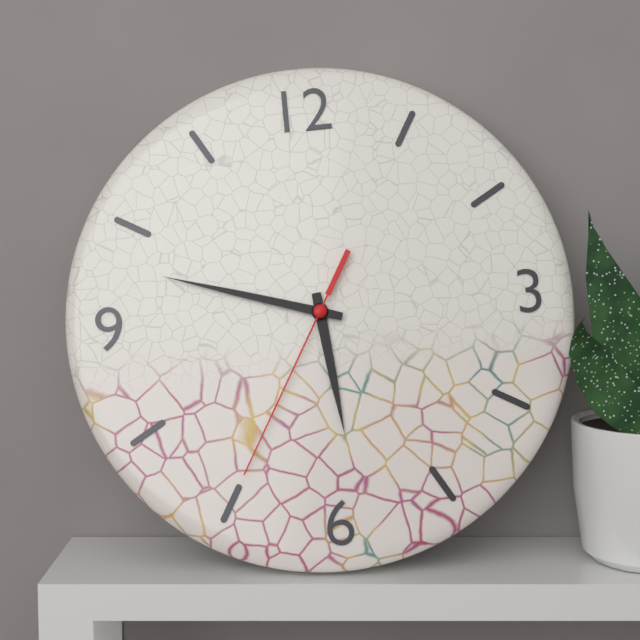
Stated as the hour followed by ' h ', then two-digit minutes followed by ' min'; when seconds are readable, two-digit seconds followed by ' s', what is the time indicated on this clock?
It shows 5 h 48 min 35 s
